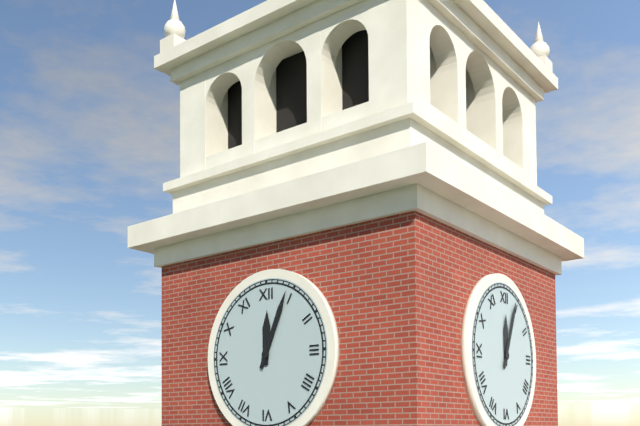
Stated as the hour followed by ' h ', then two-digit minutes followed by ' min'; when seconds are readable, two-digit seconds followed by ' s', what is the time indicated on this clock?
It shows 12 h 04 min
